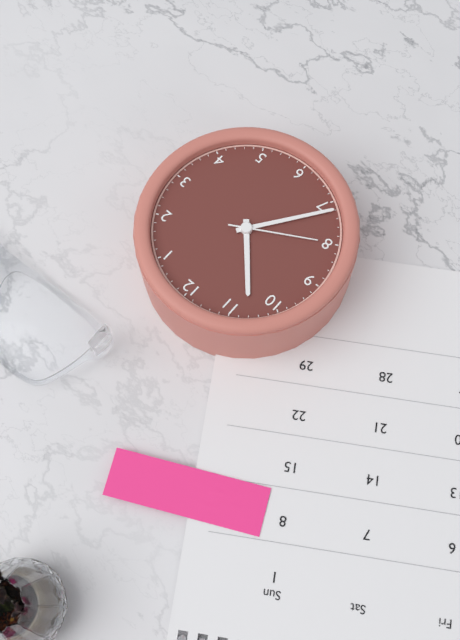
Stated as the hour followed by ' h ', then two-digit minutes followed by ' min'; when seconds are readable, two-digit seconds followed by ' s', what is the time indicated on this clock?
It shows 10 h 36 min 40 s
